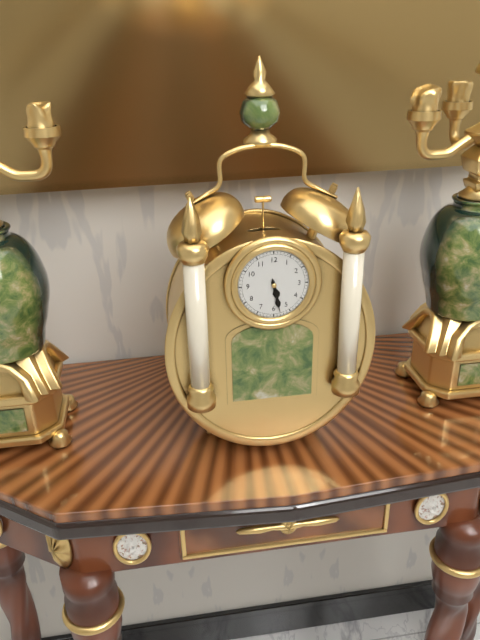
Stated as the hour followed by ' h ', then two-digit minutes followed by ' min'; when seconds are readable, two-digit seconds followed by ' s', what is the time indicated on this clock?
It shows 5 h 28 min
